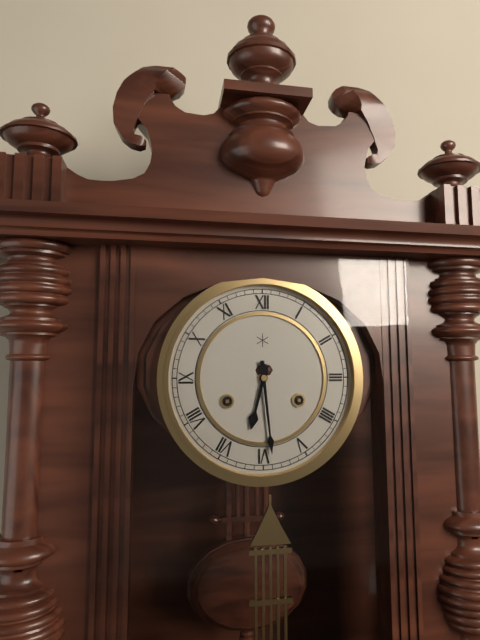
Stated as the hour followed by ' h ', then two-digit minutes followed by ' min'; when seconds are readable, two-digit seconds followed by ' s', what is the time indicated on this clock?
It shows 6 h 29 min
